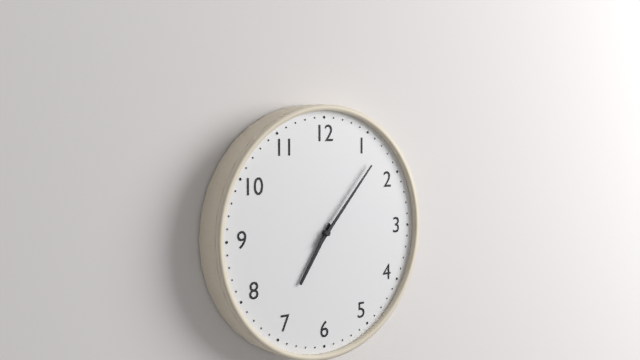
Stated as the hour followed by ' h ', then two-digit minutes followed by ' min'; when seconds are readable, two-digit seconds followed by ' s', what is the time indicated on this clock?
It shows 7 h 07 min
